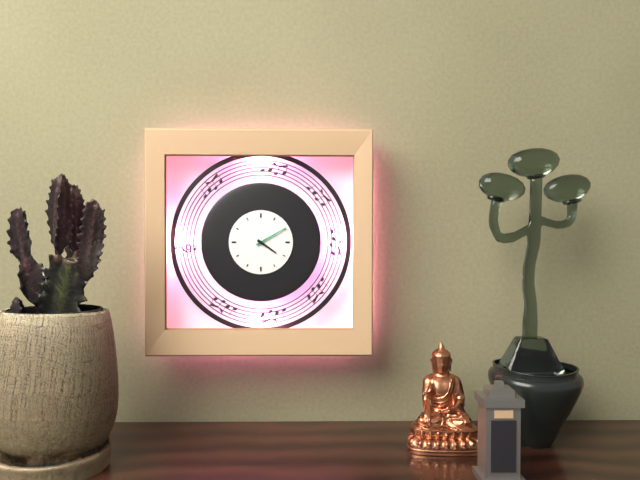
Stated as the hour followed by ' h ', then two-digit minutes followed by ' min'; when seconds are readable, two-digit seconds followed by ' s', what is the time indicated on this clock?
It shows 4 h 10 min
